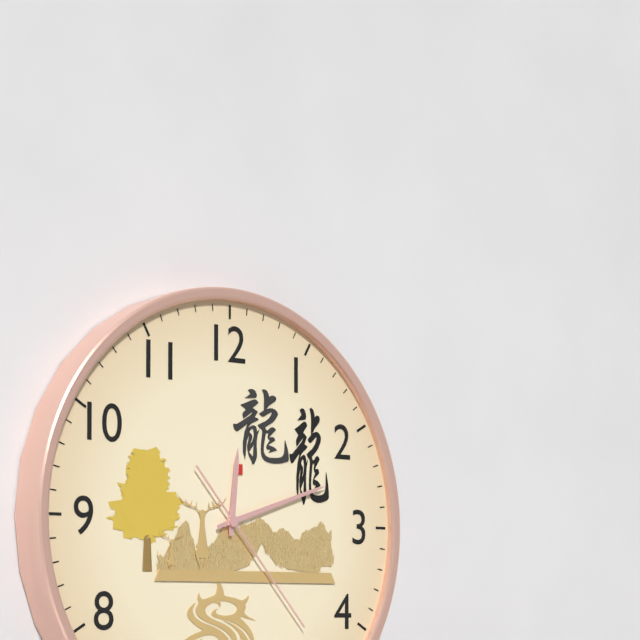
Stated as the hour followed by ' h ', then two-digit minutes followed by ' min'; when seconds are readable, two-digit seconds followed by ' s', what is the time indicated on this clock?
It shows 12 h 12 min 23 s
